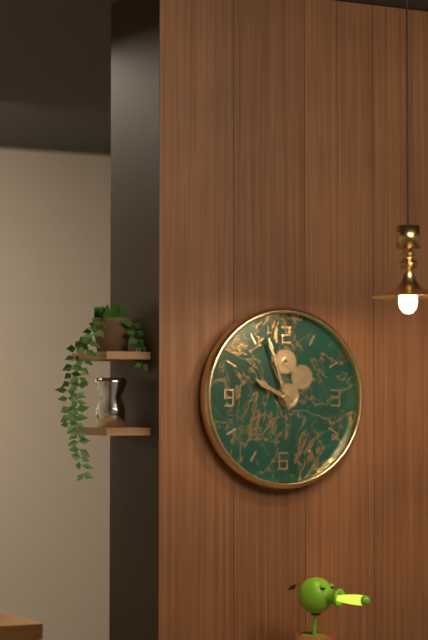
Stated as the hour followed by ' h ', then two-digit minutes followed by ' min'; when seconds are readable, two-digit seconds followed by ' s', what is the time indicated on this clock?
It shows 9 h 57 min
